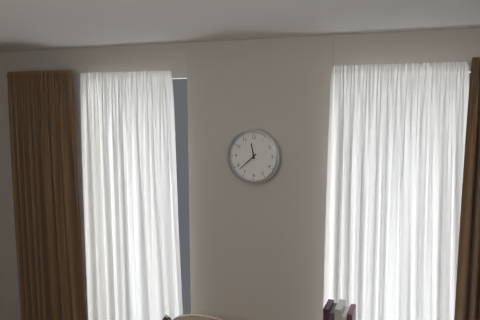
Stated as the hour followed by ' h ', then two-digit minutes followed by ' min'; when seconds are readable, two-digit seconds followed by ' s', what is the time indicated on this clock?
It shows 11 h 38 min
